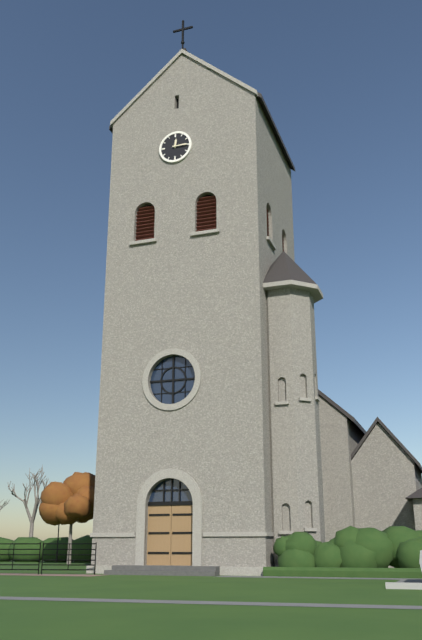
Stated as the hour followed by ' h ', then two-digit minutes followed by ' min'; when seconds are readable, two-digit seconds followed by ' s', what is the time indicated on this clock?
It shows 12 h 15 min
